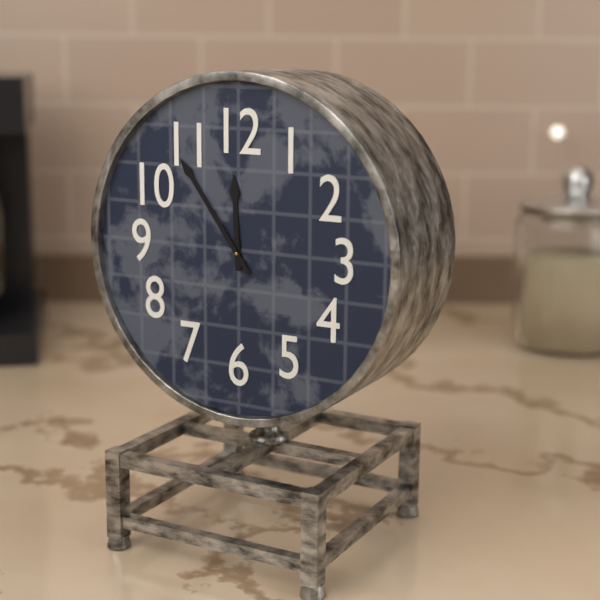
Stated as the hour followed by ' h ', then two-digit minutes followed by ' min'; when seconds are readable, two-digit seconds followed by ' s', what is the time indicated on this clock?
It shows 11 h 54 min
